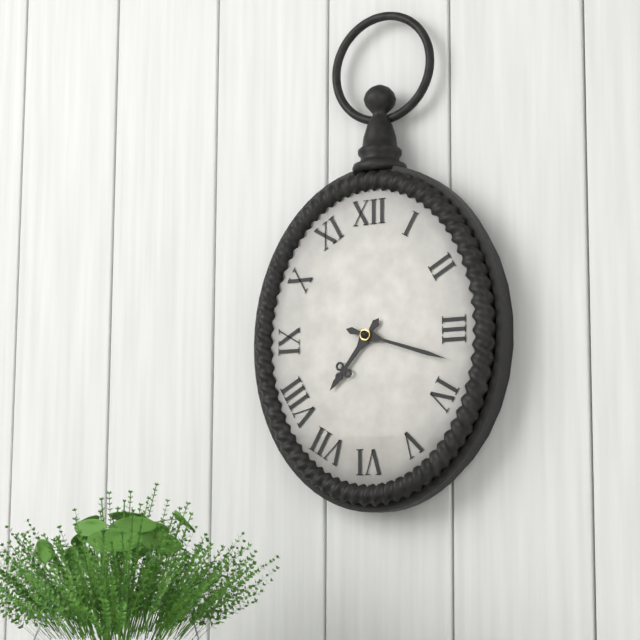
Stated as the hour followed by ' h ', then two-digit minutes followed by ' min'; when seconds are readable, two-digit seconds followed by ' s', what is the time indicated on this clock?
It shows 7 h 18 min
